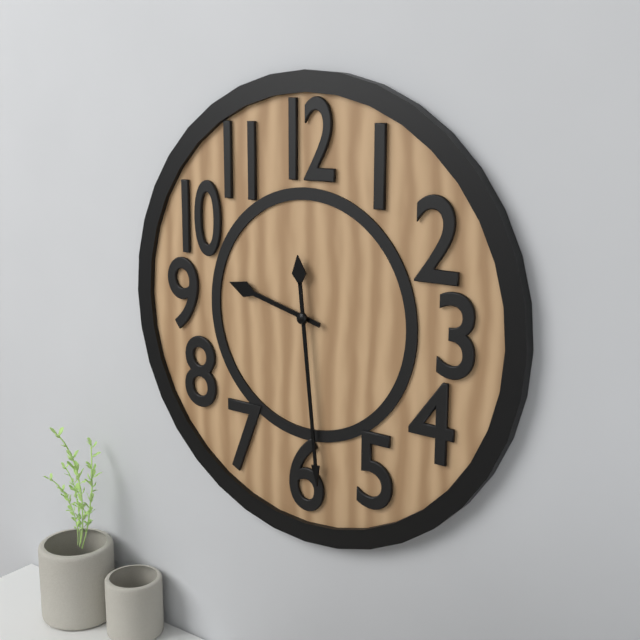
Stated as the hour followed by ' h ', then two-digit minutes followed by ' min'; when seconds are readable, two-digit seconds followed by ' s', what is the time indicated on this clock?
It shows 9 h 29 min
